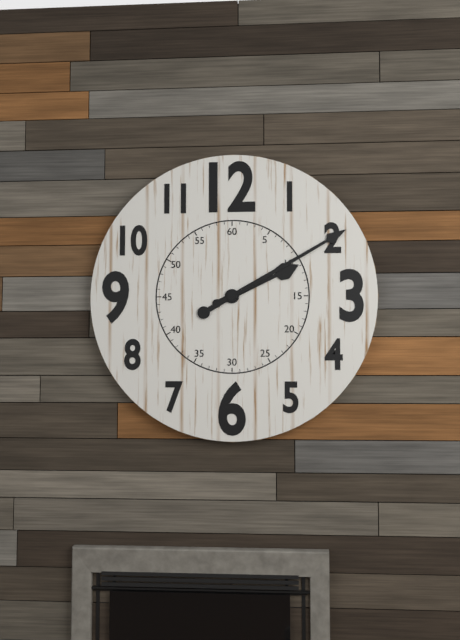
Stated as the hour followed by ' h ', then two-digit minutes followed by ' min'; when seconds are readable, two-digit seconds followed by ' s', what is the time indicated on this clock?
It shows 2 h 10 min
